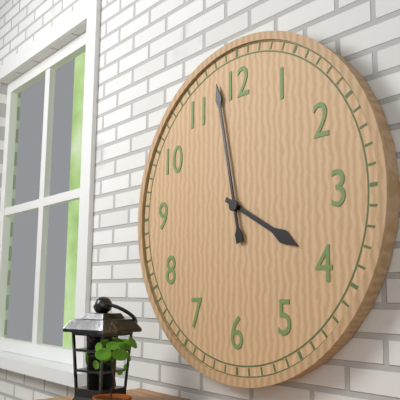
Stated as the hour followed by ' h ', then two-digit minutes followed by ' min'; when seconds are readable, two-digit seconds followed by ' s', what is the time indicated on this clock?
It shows 3 h 58 min
